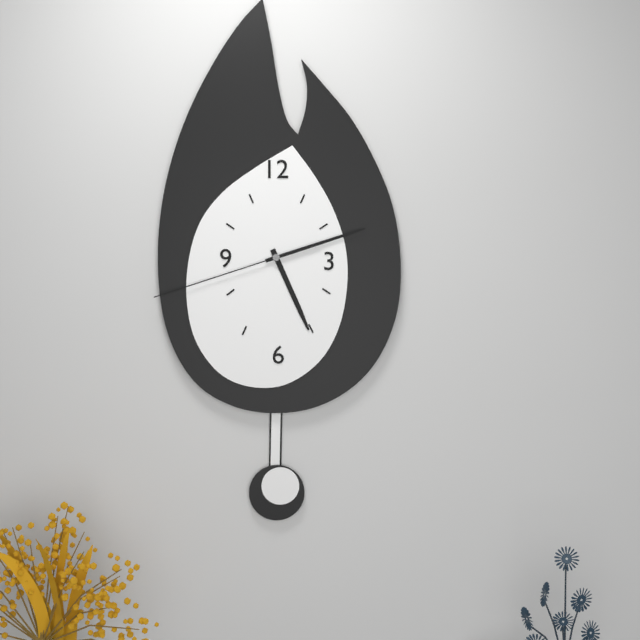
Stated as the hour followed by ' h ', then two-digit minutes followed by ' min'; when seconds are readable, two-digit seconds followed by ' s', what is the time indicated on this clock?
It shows 5 h 12 min 42 s
